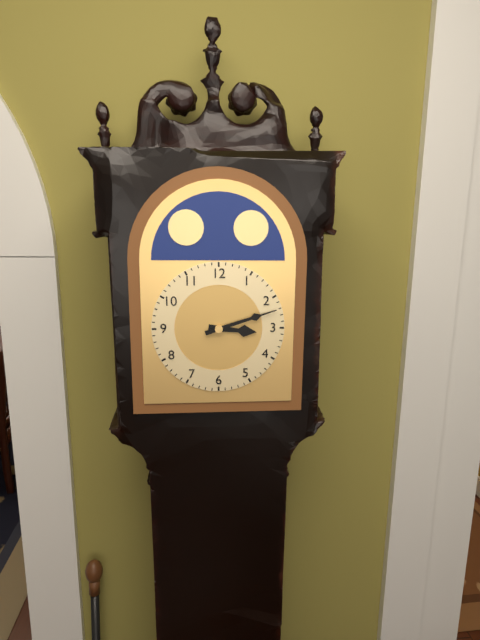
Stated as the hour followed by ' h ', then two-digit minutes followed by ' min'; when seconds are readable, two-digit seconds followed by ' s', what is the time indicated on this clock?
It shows 3 h 12 min
